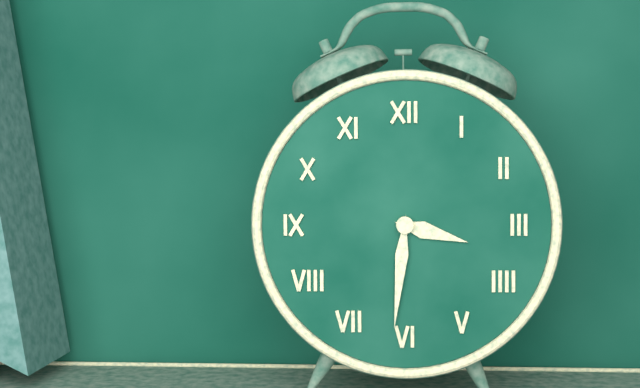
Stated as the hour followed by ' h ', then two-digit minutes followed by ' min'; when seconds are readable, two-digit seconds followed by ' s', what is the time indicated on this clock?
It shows 3 h 31 min
